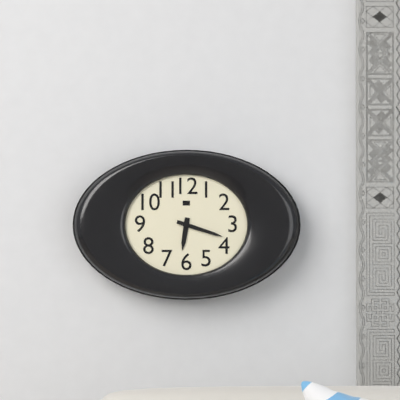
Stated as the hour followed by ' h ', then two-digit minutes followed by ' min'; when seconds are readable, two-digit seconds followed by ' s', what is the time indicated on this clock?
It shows 6 h 18 min
